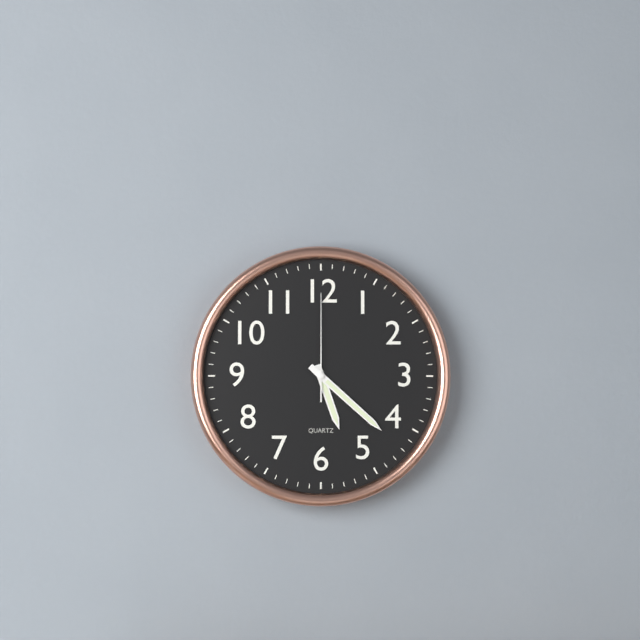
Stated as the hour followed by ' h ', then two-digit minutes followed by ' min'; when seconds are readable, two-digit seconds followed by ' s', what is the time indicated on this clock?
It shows 5 h 22 min 00 s
